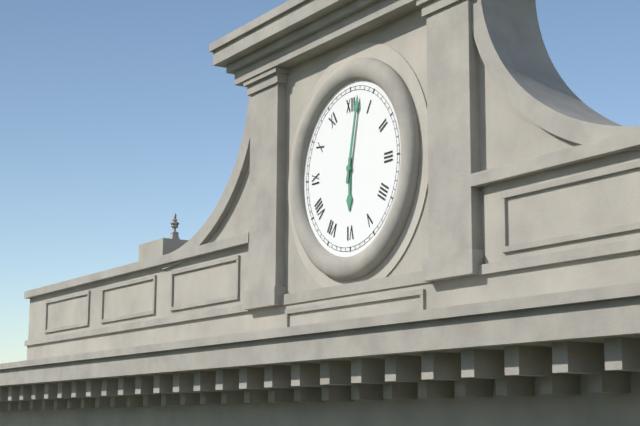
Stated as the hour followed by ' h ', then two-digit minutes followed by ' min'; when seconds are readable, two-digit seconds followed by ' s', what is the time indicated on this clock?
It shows 6 h 02 min
